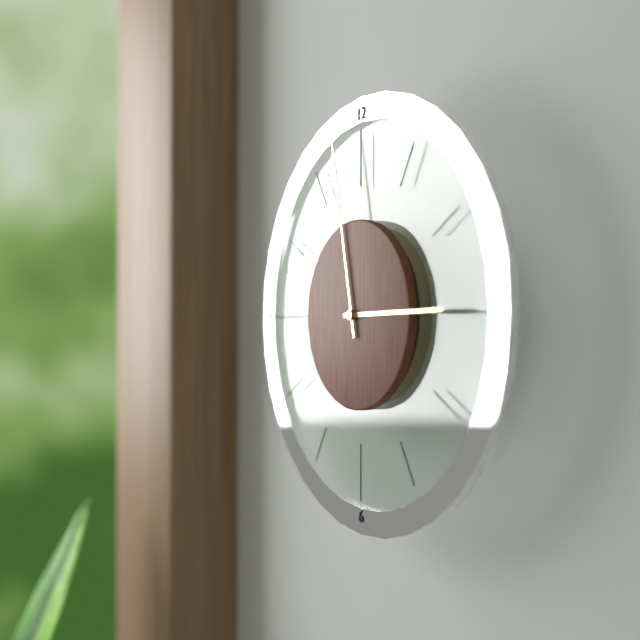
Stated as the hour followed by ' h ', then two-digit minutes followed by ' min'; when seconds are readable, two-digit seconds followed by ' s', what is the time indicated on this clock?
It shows 2 h 58 min
